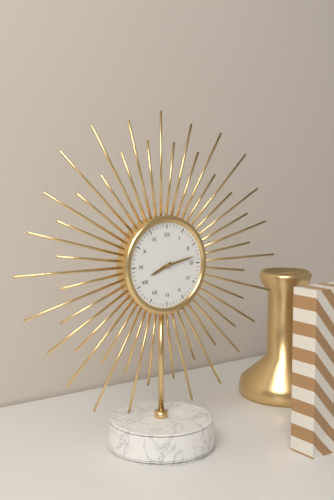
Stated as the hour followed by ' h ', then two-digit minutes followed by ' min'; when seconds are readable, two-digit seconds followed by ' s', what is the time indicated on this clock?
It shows 8 h 13 min
